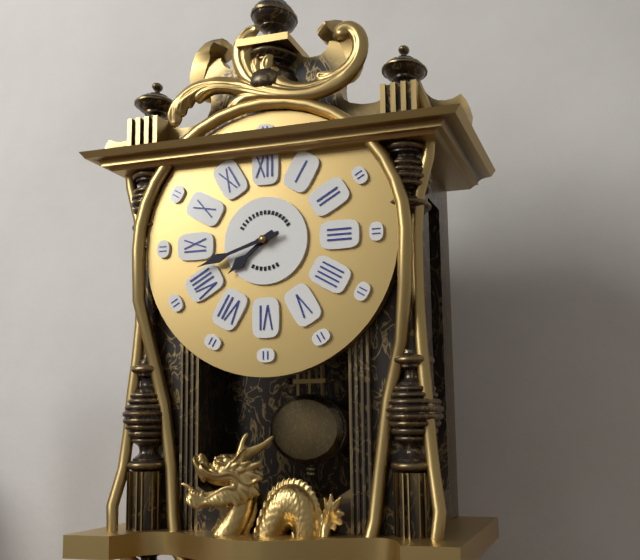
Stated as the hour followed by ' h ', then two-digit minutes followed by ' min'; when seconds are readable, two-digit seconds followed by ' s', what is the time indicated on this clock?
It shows 7 h 42 min
